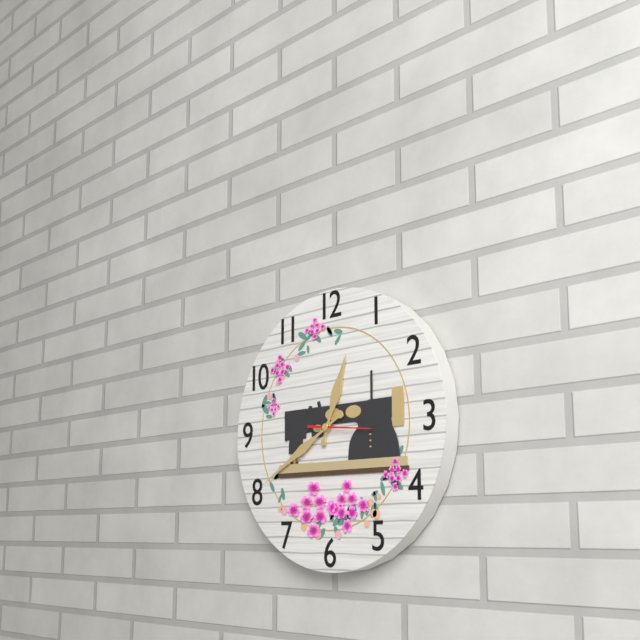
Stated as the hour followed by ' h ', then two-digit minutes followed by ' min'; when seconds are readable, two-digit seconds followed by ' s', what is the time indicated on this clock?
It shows 12 h 40 min 16 s
